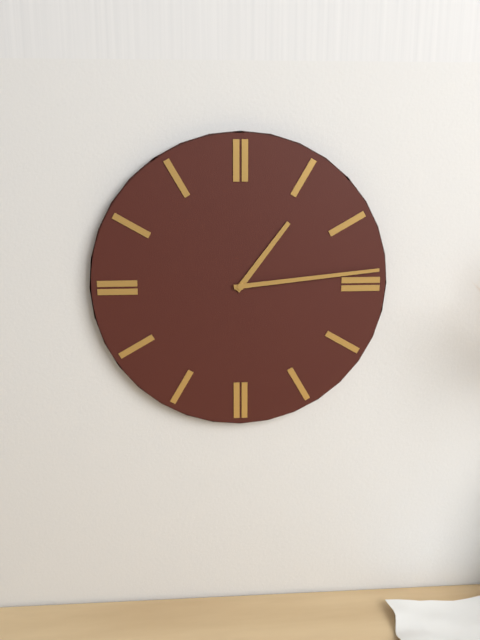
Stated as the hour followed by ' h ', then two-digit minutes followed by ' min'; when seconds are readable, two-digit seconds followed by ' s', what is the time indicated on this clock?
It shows 1 h 14 min
